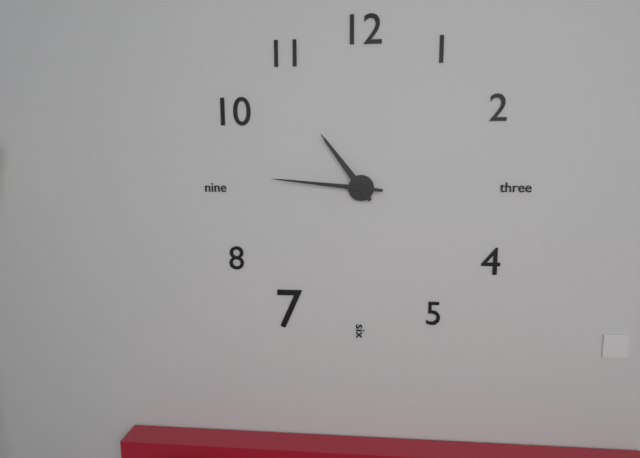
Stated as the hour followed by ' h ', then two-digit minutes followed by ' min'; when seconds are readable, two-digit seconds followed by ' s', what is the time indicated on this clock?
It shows 10 h 46 min
